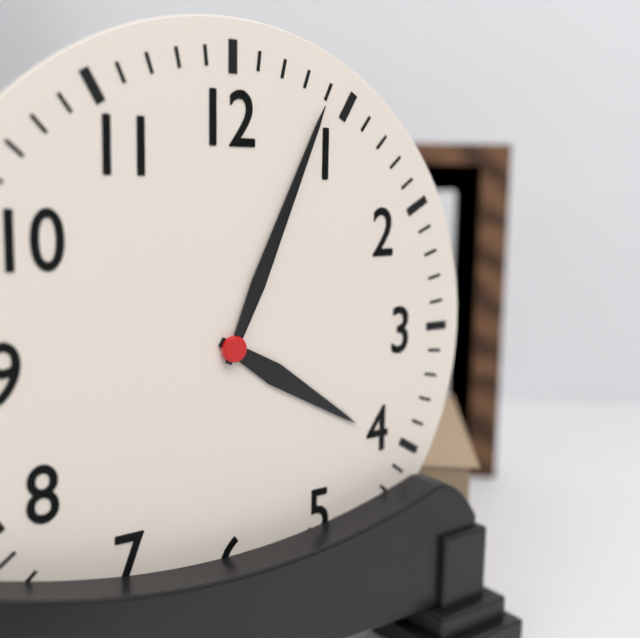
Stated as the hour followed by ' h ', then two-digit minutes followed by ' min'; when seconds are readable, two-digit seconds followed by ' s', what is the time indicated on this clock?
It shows 4 h 04 min
